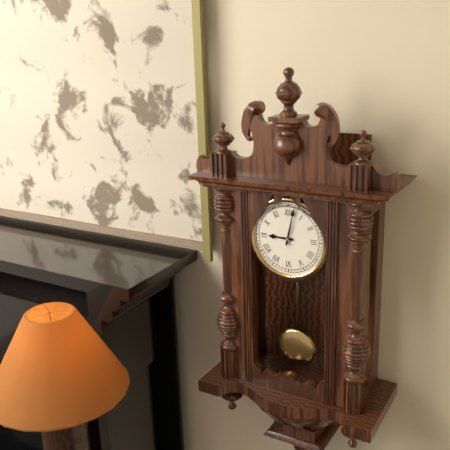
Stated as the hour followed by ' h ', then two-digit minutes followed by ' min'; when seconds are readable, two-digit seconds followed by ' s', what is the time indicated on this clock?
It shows 9 h 02 min
